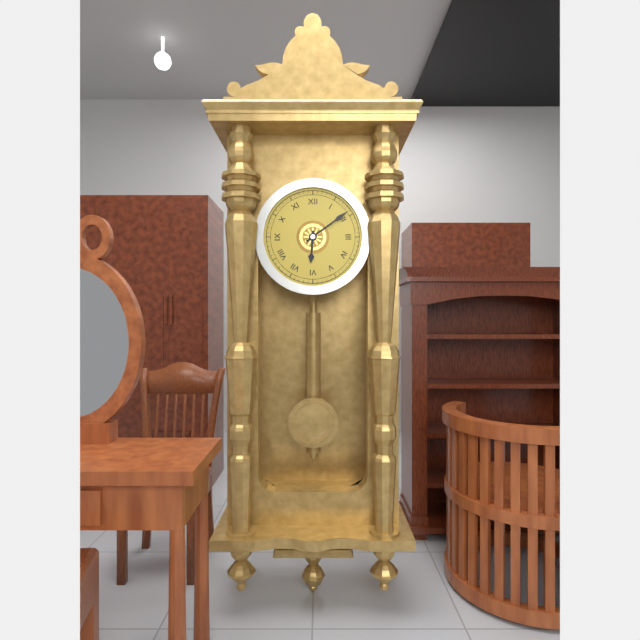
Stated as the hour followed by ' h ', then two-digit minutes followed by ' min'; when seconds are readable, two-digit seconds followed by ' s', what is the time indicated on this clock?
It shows 6 h 09 min
